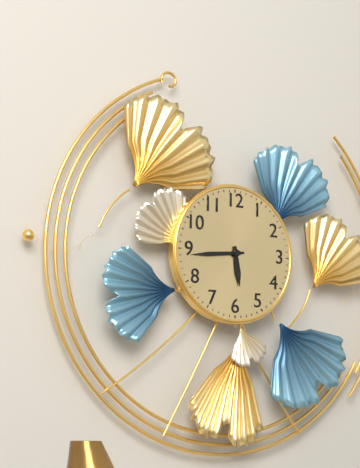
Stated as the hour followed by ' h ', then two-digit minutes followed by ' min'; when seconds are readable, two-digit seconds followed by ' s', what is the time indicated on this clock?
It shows 5 h 44 min
